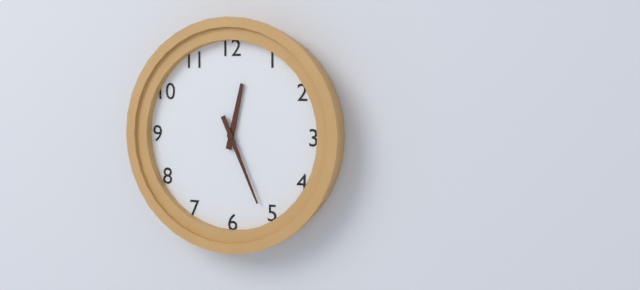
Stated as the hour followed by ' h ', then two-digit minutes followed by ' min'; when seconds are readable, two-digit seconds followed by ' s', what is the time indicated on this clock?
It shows 12 h 26 min
